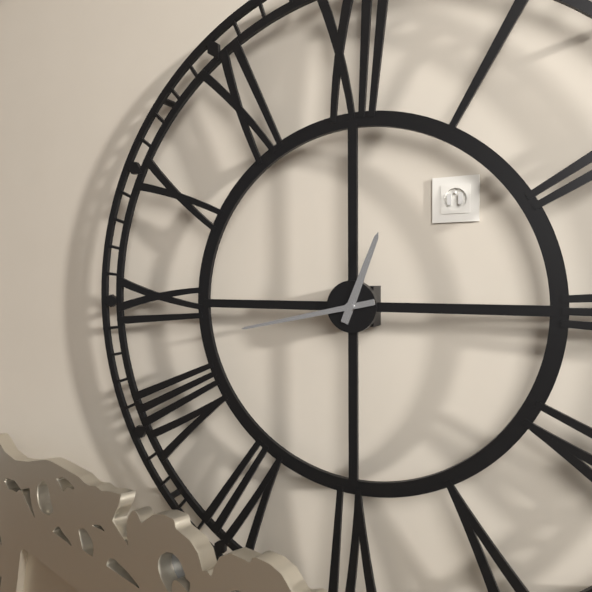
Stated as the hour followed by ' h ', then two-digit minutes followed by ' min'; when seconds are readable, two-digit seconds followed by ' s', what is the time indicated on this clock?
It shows 12 h 43 min
